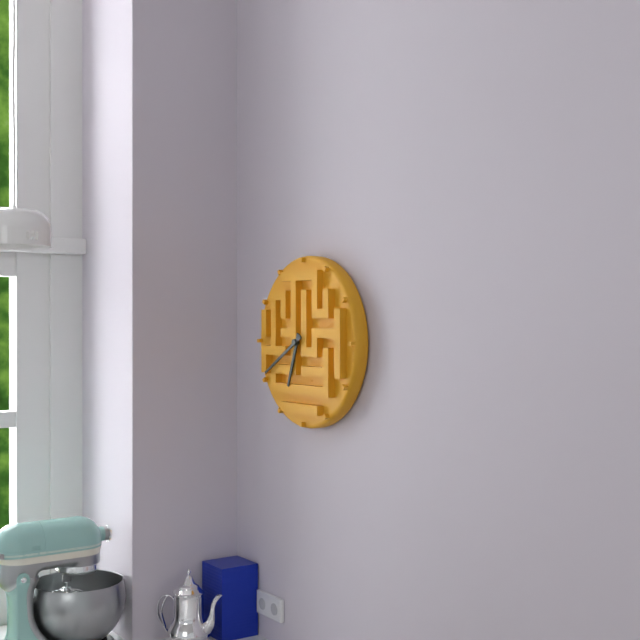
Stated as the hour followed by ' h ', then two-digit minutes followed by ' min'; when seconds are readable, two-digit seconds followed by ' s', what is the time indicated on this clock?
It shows 6 h 40 min
